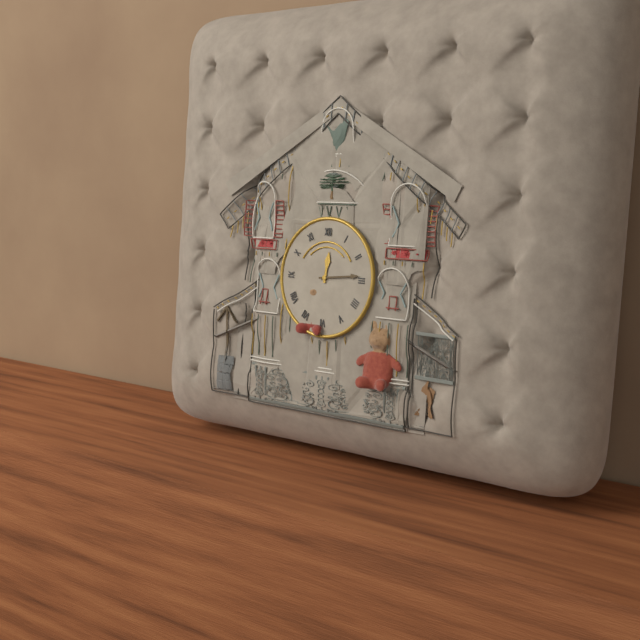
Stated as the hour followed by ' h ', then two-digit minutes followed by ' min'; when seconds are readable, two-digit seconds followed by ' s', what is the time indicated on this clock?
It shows 12 h 14 min
